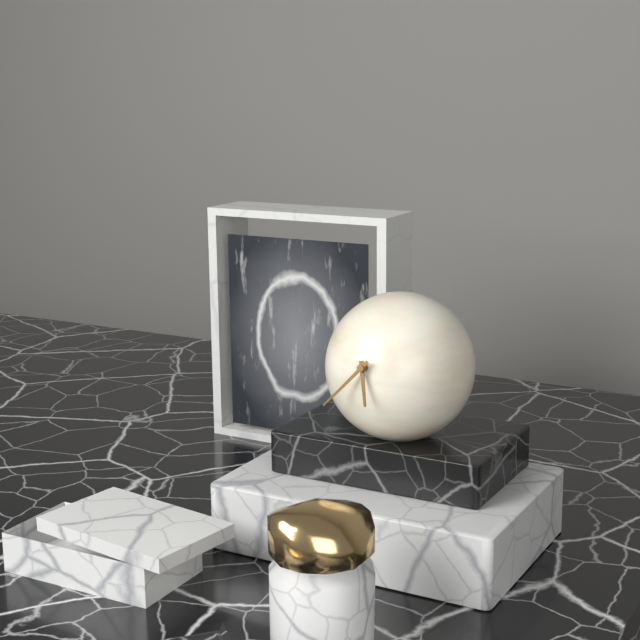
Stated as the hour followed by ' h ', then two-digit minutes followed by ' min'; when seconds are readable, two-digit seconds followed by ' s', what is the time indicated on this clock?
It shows 5 h 37 min
